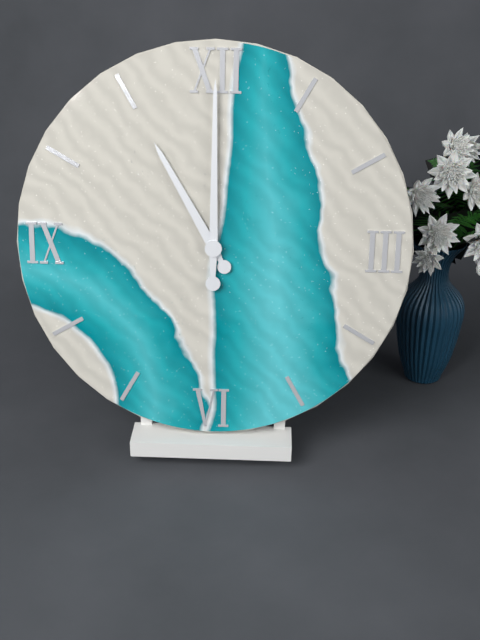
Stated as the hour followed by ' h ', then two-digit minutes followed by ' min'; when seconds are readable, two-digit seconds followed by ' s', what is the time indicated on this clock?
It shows 11 h 00 min
